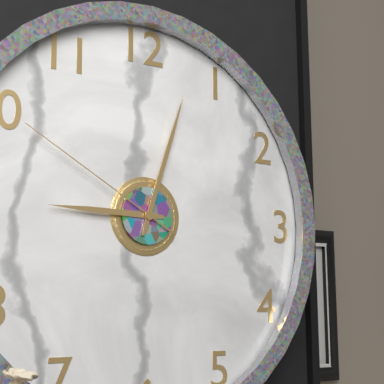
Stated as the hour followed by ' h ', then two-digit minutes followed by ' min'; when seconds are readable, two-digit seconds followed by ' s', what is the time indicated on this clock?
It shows 9 h 03 min 50 s
